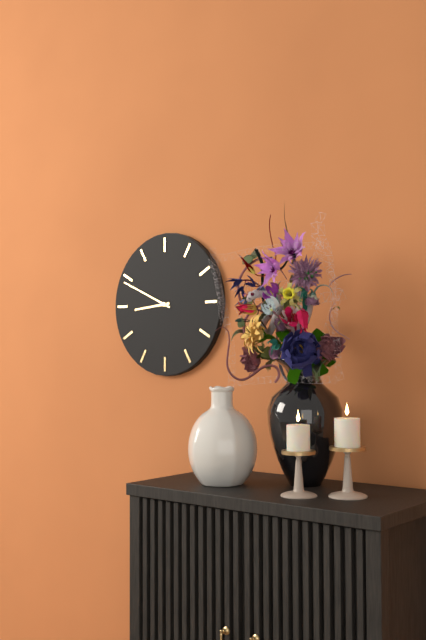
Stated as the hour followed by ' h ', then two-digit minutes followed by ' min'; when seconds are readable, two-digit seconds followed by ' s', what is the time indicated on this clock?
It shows 8 h 49 min
